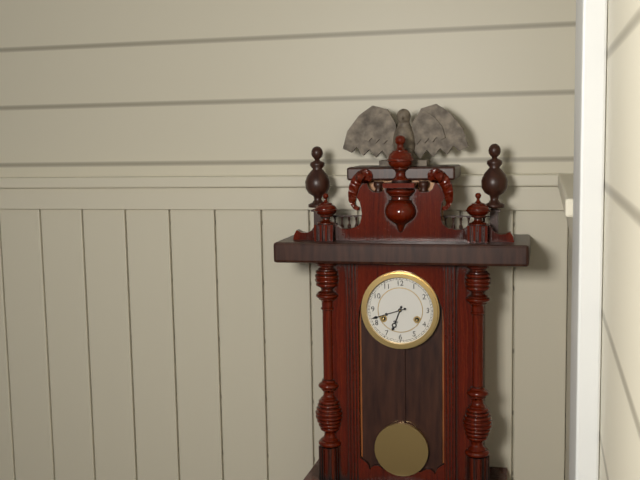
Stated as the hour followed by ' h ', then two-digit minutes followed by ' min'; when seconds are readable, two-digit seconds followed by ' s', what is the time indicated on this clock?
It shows 6 h 42 min
